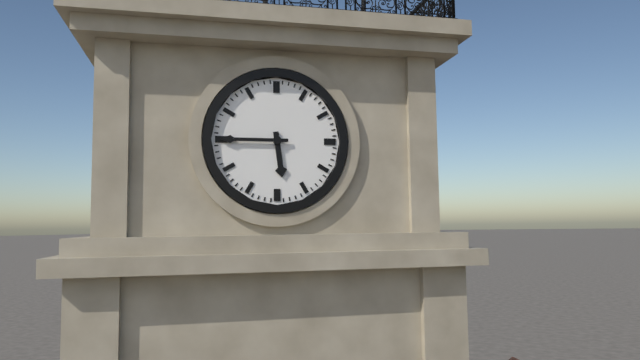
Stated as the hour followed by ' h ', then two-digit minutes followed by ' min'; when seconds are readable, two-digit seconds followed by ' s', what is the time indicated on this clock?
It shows 5 h 45 min
